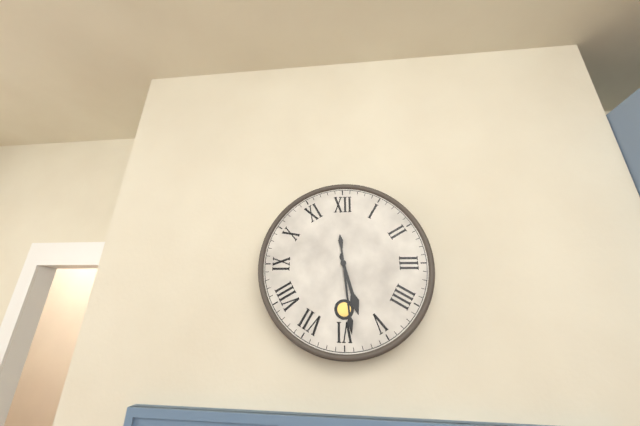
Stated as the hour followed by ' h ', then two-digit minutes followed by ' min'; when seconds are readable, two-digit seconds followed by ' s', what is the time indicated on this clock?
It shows 5 h 29 min
